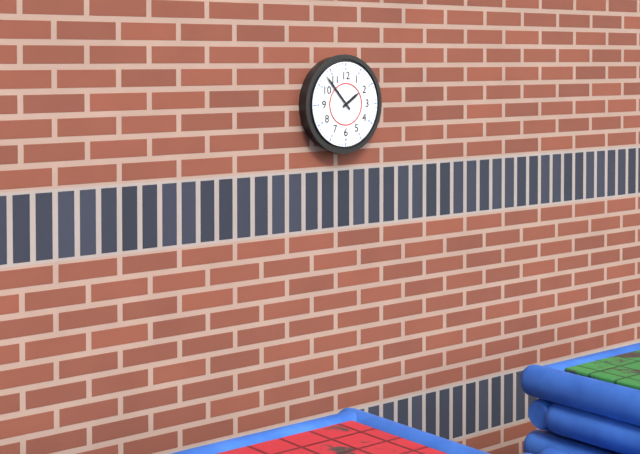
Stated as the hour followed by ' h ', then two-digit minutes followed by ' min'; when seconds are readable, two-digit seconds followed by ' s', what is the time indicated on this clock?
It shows 1 h 53 min
